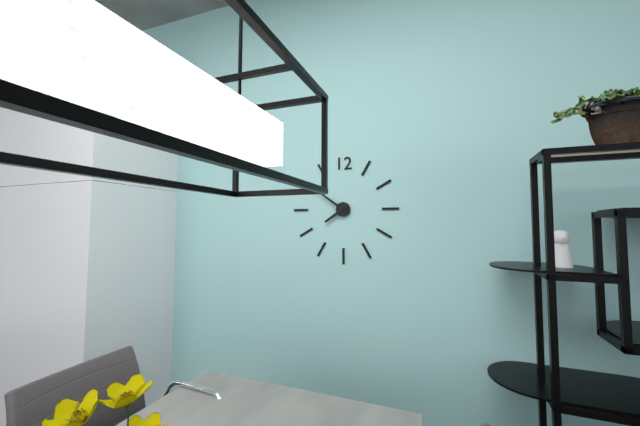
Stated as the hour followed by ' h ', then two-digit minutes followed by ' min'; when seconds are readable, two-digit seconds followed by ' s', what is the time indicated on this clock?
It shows 7 h 51 min
